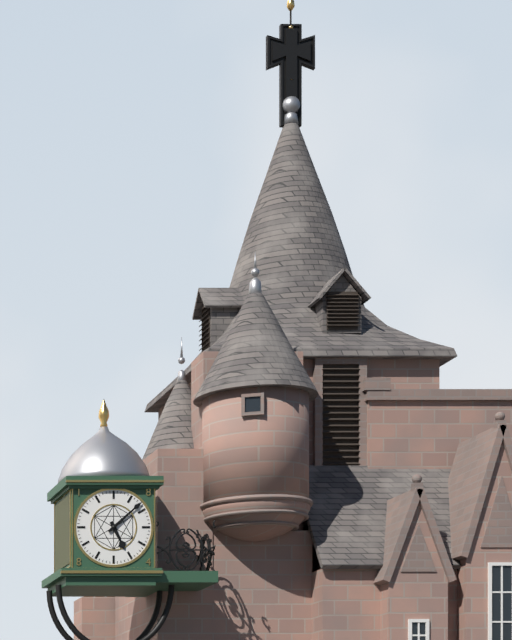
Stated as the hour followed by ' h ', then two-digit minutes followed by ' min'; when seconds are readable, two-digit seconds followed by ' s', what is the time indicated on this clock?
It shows 5 h 08 min
